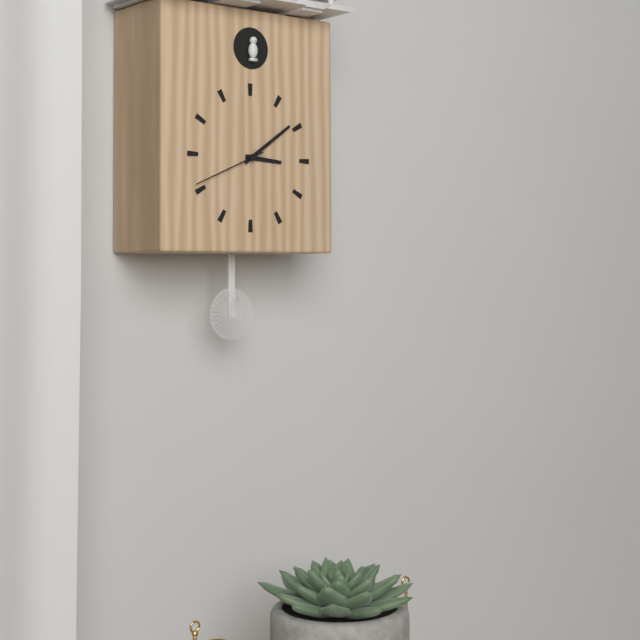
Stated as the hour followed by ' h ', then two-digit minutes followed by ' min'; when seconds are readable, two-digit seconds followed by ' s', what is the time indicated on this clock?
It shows 3 h 09 min 41 s
